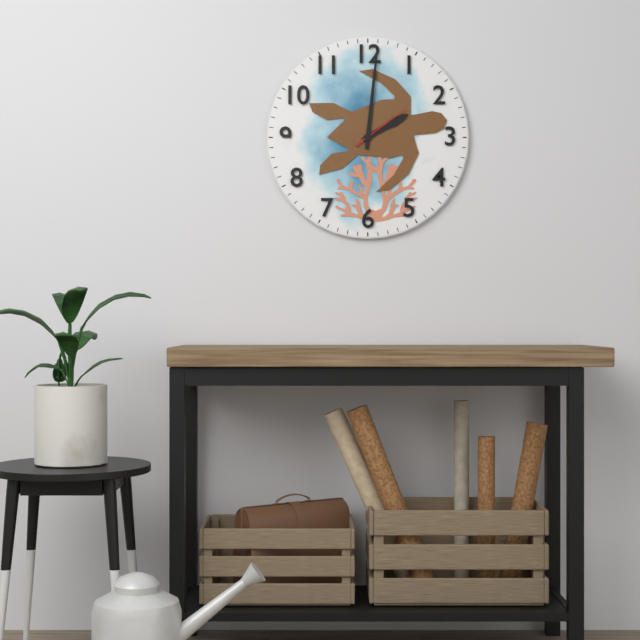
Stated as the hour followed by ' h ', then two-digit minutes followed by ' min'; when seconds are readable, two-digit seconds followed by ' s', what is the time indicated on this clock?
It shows 2 h 01 min 09 s
